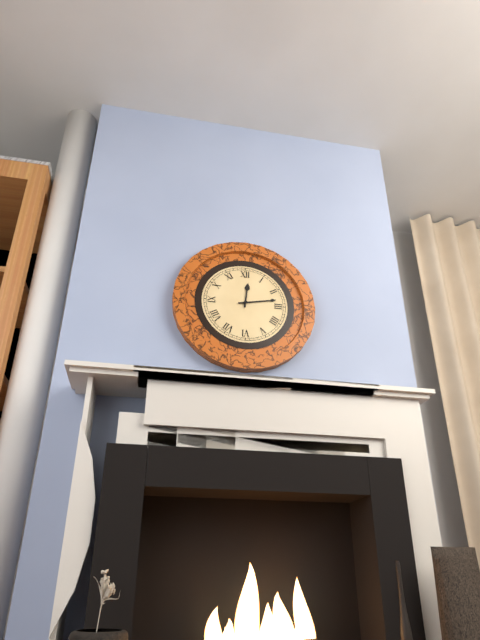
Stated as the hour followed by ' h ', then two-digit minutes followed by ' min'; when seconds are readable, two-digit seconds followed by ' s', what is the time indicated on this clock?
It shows 12 h 13 min
